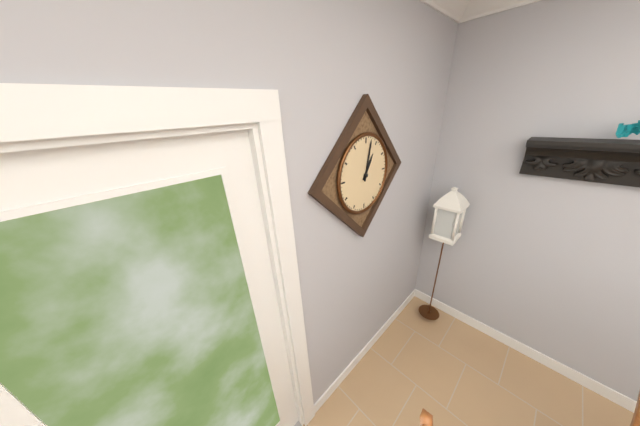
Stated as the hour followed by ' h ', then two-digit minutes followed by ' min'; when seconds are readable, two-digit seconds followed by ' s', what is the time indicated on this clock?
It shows 1 h 02 min
